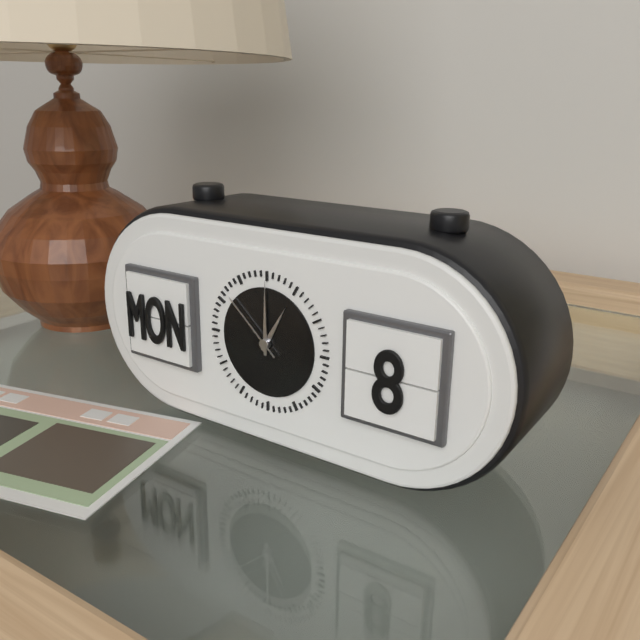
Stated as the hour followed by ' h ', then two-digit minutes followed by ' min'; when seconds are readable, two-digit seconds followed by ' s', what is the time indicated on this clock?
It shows 1 h 00 min 52 s
